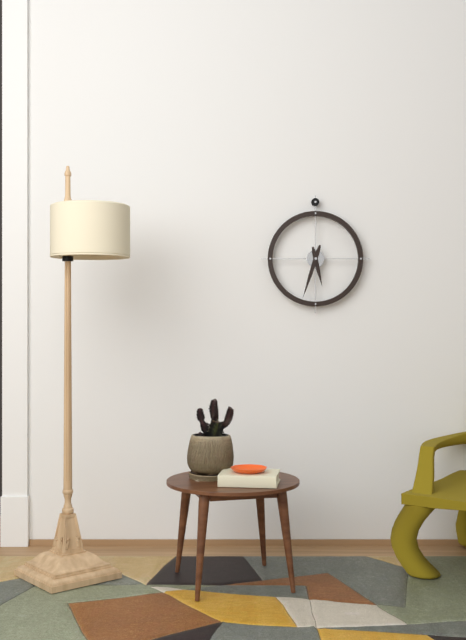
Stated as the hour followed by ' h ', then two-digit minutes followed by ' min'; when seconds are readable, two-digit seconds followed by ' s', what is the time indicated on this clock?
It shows 5 h 33 min
